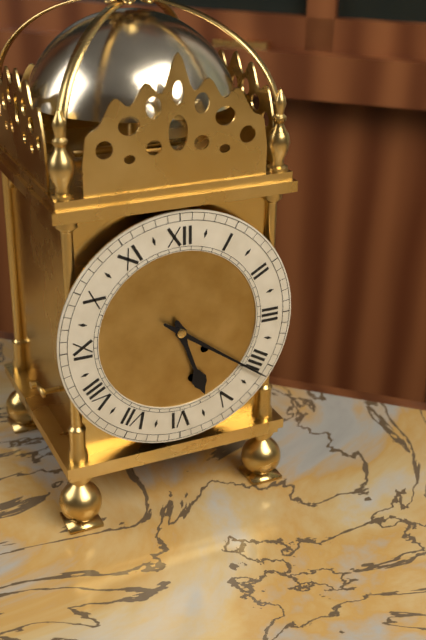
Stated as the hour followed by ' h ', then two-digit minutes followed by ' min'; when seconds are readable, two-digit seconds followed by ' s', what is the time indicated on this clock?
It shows 5 h 21 min
